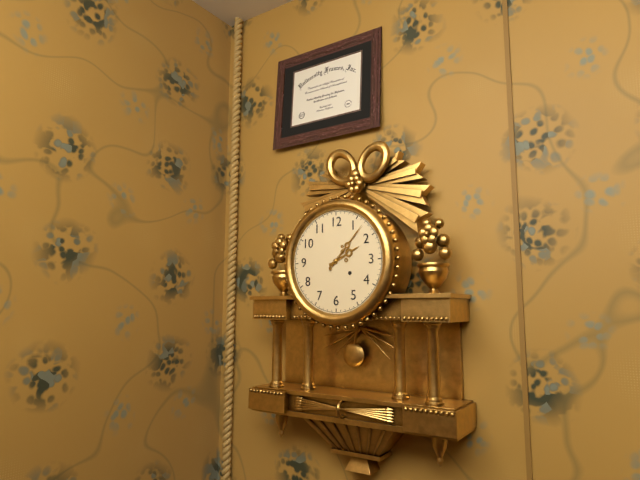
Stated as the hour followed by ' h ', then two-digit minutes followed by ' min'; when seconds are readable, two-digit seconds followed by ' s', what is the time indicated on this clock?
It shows 2 h 07 min
